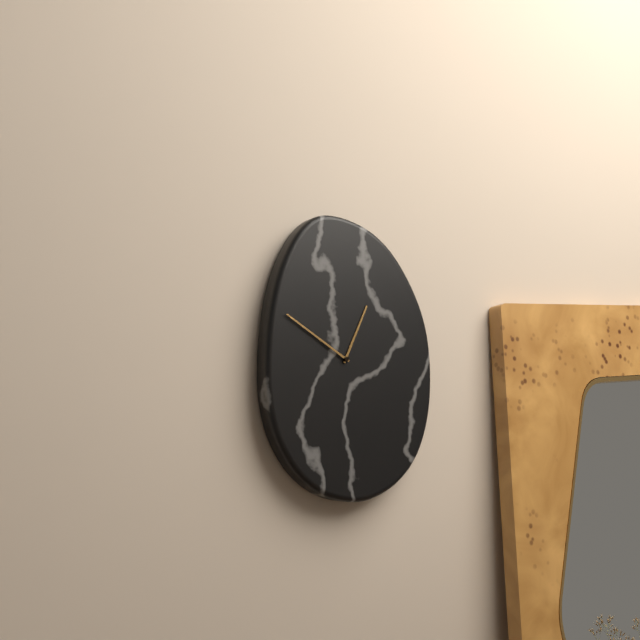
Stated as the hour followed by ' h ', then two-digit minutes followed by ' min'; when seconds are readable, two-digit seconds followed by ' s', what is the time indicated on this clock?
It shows 12 h 50 min
